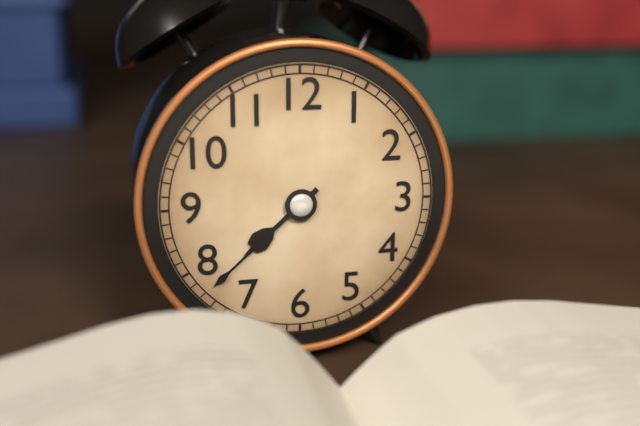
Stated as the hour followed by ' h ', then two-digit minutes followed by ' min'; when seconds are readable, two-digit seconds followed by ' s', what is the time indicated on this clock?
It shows 7 h 38 min
